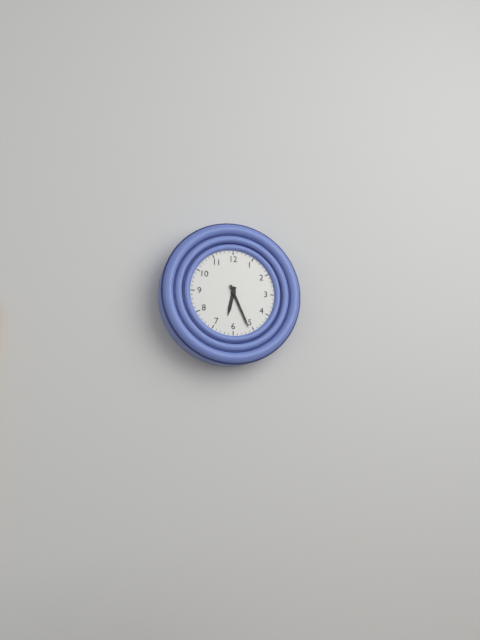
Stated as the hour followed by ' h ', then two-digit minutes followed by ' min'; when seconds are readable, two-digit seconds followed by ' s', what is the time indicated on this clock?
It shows 6 h 26 min
